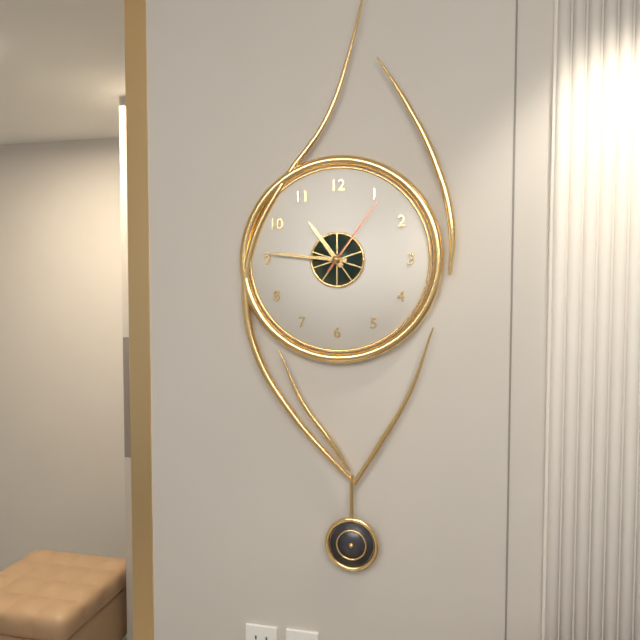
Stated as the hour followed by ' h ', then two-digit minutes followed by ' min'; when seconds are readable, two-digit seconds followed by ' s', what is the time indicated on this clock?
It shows 10 h 46 min 06 s
